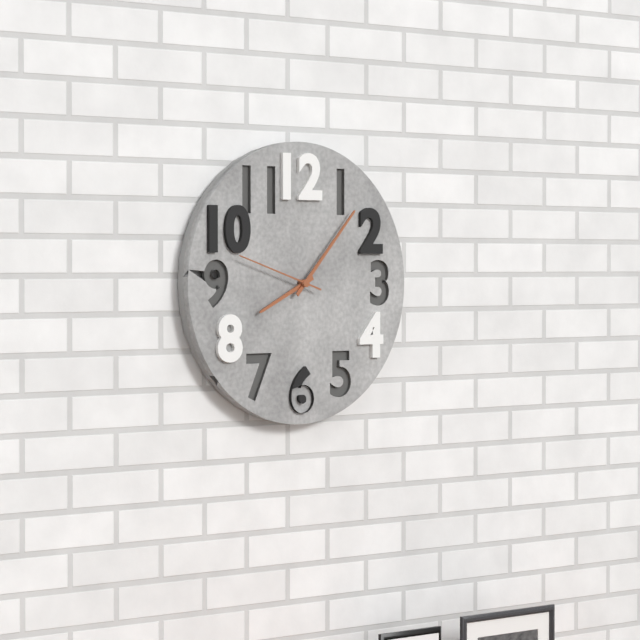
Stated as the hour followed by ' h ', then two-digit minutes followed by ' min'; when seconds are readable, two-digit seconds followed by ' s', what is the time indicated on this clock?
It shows 8 h 07 min 48 s
